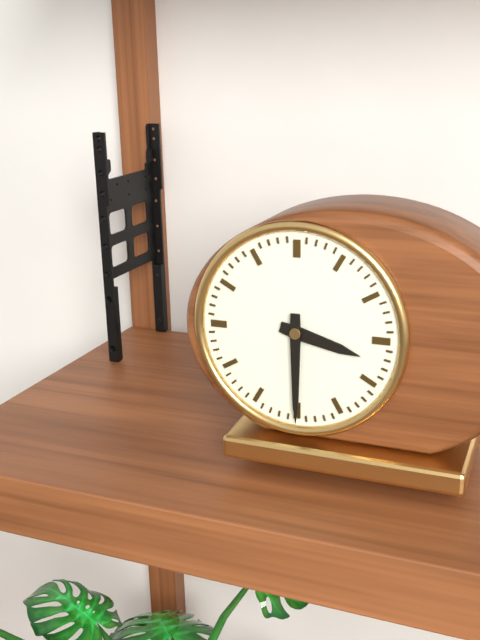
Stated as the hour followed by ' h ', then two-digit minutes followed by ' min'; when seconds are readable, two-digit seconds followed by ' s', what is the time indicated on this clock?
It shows 3 h 30 min
